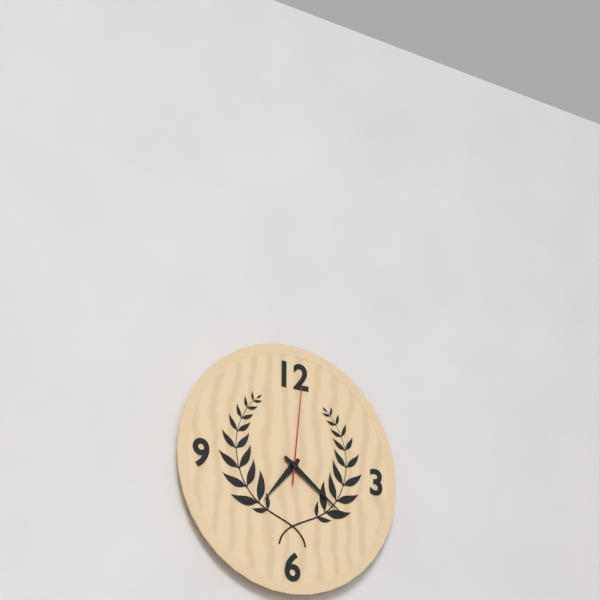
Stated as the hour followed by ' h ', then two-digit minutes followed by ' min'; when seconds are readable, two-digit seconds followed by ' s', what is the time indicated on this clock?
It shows 7 h 21 min 01 s
